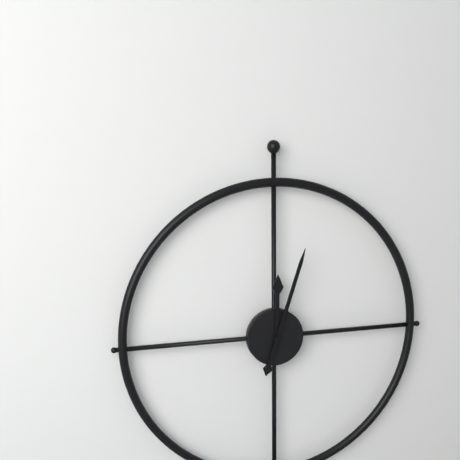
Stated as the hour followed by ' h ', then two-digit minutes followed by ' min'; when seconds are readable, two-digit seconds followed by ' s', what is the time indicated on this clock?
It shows 12 h 03 min
